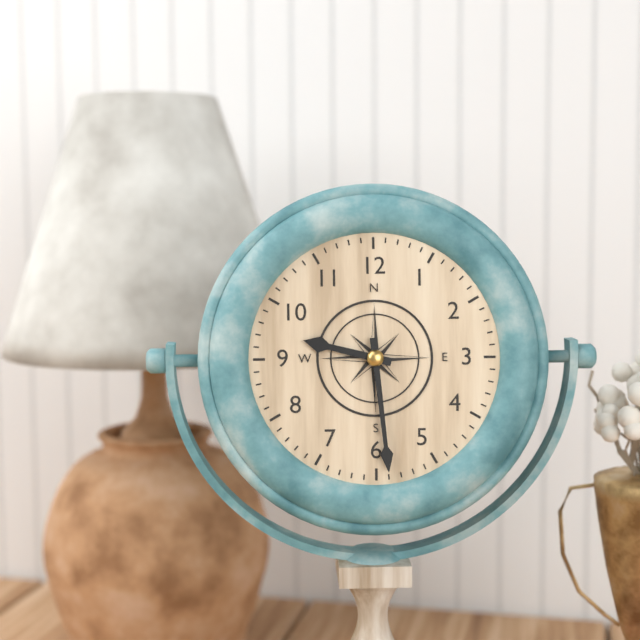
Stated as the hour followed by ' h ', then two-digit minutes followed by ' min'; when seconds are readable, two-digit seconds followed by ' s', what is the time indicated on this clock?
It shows 9 h 29 min
